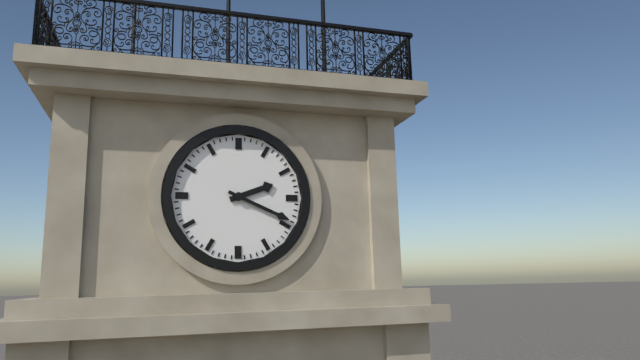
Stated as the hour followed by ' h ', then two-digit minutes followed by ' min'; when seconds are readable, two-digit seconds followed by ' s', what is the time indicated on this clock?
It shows 2 h 19 min
